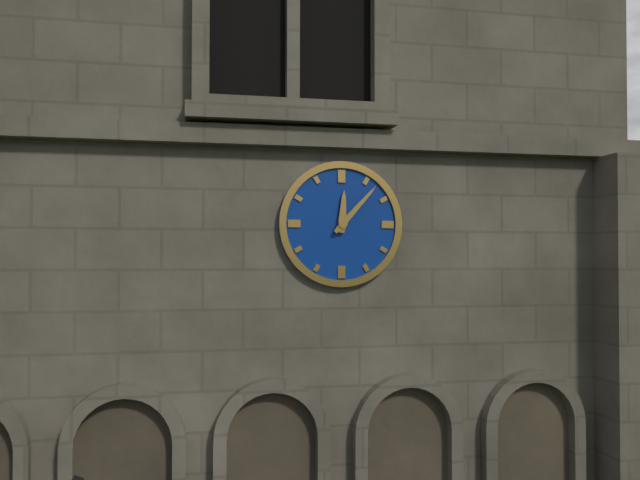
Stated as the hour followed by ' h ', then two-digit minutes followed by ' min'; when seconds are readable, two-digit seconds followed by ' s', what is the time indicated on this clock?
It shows 12 h 07 min
